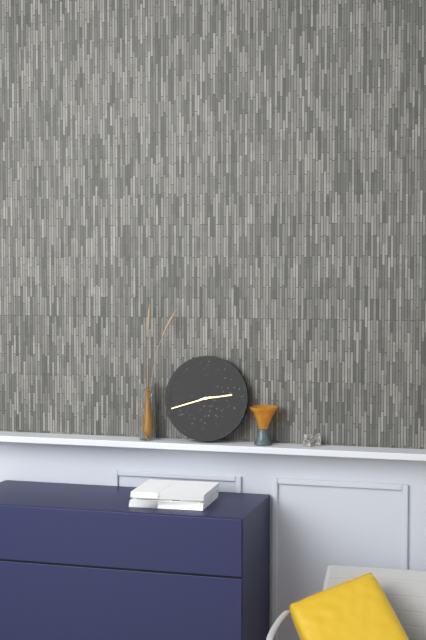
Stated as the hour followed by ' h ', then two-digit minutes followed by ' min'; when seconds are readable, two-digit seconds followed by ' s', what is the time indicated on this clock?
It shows 2 h 42 min
